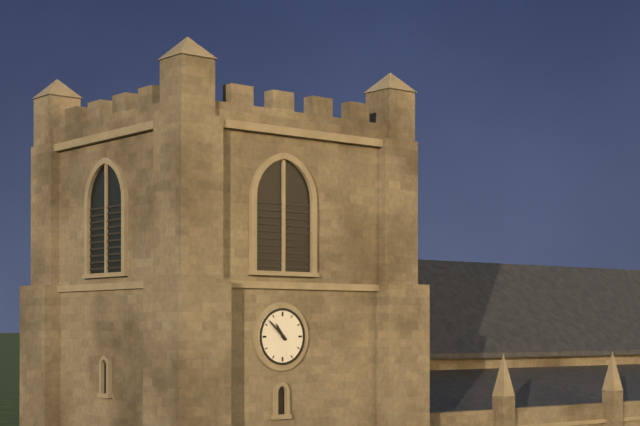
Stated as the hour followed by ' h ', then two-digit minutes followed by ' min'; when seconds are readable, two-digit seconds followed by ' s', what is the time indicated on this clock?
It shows 10 h 52 min
